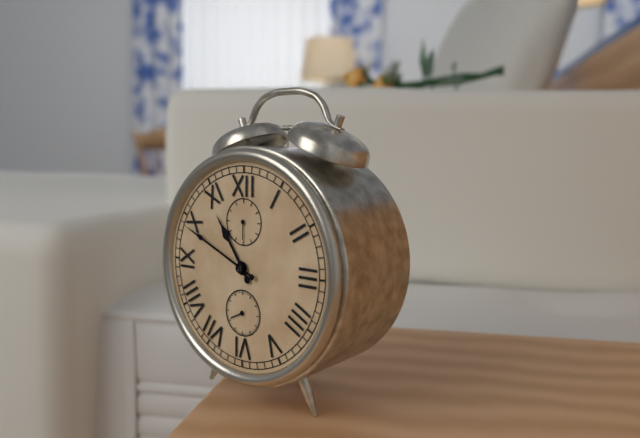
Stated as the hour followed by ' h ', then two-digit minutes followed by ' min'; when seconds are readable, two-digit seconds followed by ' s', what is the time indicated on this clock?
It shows 10 h 49 min
